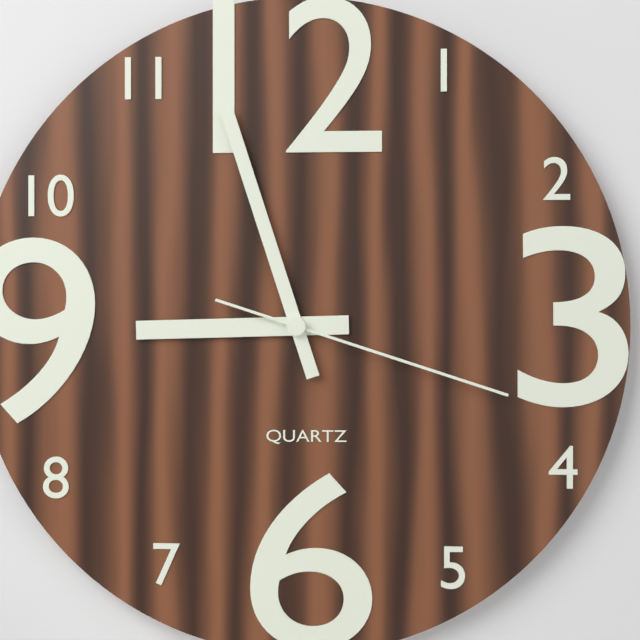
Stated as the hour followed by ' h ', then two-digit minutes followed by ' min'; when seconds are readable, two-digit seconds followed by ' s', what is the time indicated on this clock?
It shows 8 h 57 min 18 s
